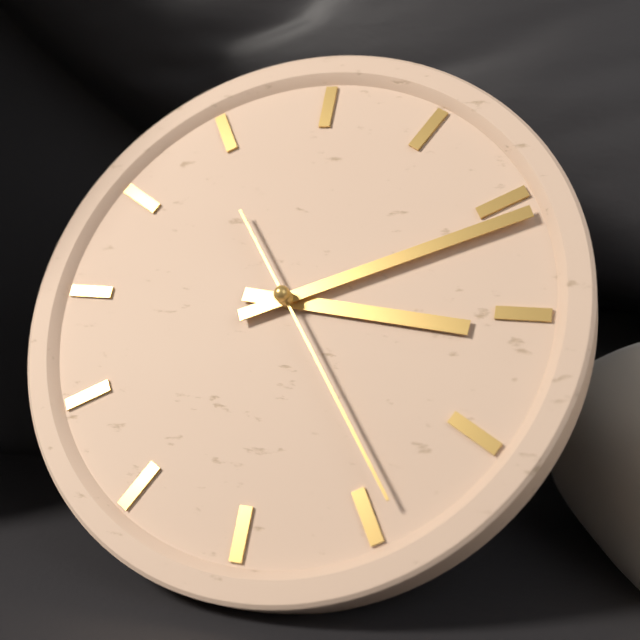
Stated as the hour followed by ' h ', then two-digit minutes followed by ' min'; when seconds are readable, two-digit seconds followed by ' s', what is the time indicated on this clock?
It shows 3 h 11 min 24 s
